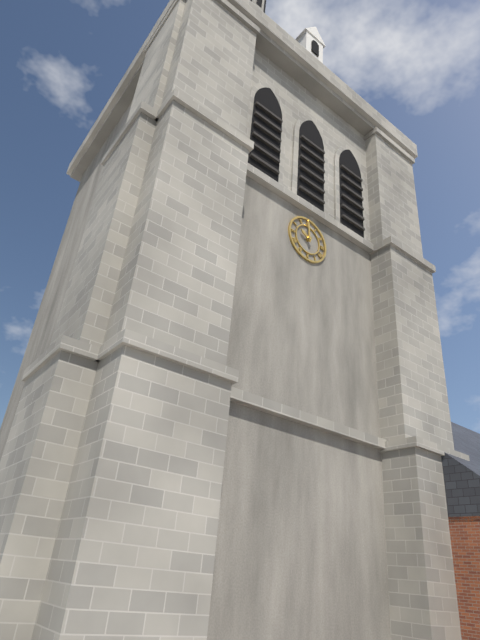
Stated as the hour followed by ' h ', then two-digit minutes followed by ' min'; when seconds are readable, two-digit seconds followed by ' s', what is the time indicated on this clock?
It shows 9 h 59 min
